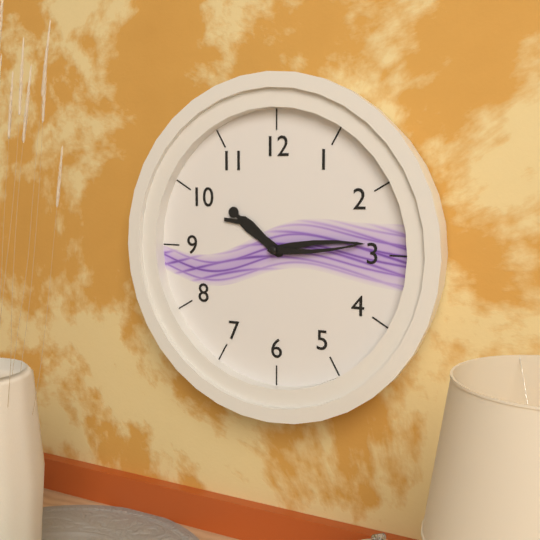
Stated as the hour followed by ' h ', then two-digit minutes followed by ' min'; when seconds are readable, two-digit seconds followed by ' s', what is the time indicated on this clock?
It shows 10 h 14 min 14 s
